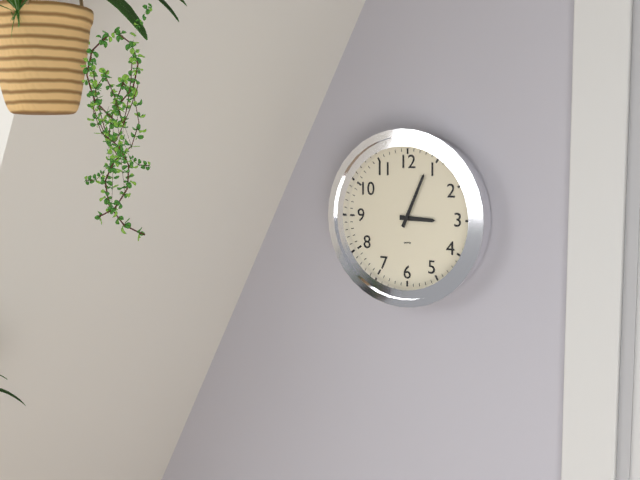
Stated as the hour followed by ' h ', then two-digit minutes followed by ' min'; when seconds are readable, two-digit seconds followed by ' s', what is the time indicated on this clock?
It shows 3 h 04 min
